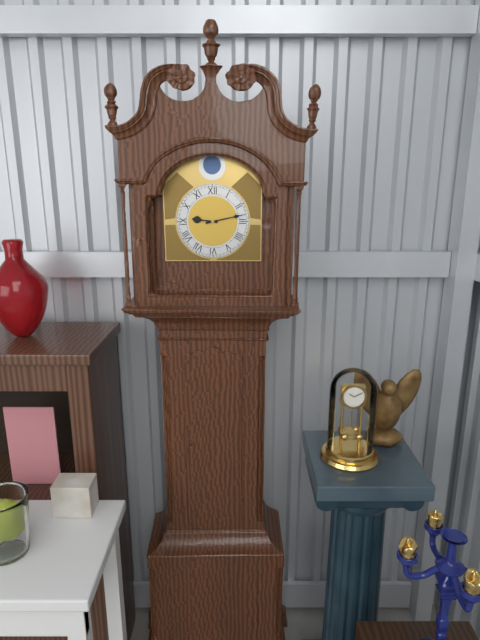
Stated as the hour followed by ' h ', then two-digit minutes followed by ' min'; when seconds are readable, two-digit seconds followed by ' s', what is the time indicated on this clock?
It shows 9 h 13 min
